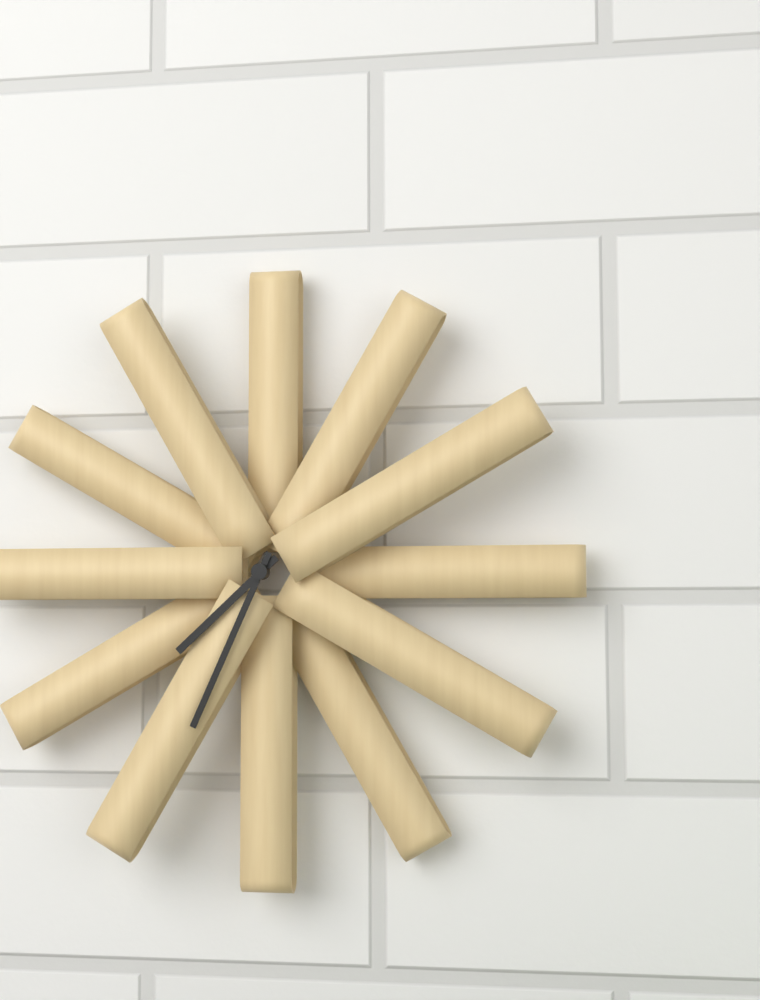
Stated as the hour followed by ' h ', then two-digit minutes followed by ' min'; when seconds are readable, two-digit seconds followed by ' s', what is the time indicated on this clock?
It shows 7 h 34 min
